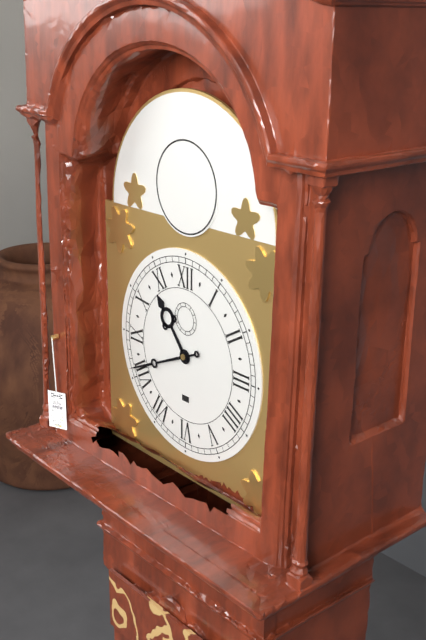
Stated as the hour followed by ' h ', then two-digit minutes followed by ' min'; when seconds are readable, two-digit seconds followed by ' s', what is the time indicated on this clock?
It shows 10 h 41 min
